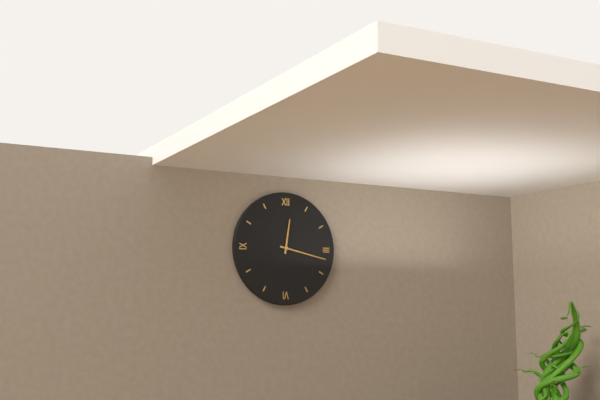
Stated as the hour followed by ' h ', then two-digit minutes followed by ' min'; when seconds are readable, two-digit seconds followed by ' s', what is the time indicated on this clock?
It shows 12 h 17 min
